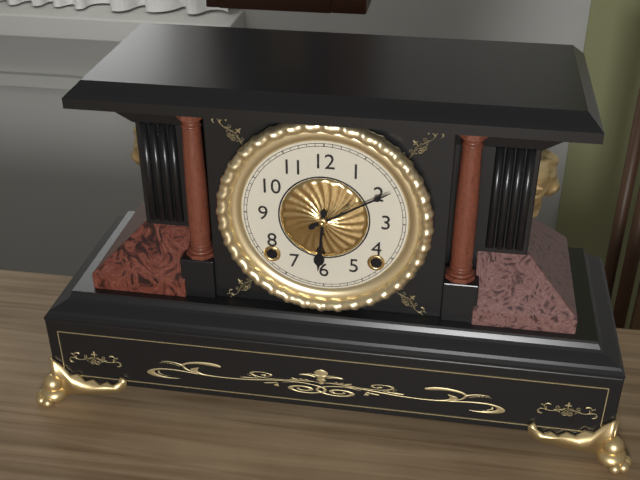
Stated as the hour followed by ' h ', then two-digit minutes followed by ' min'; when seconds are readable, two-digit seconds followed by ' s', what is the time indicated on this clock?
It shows 6 h 10 min
